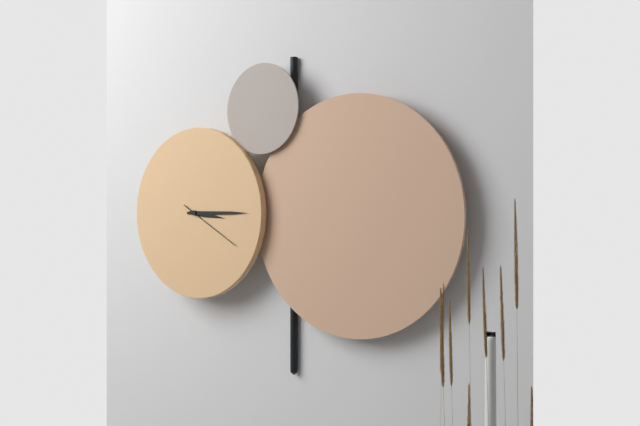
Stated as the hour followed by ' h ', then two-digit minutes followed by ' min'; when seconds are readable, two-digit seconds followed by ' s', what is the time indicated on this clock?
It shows 3 h 15 min 20 s
